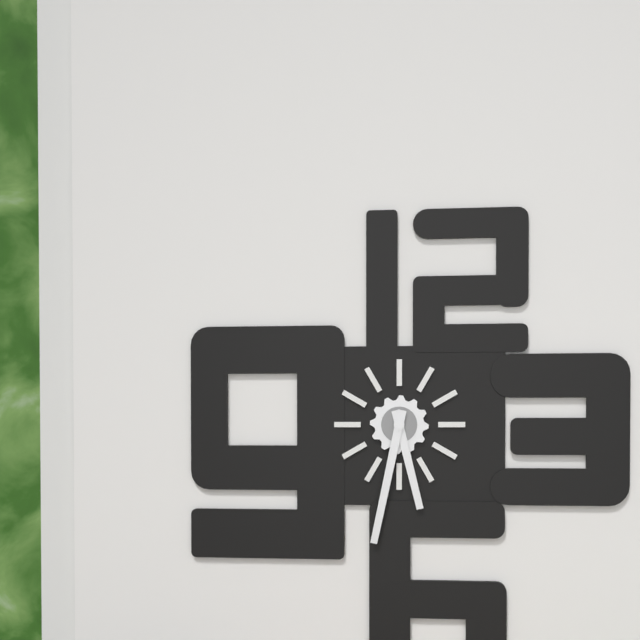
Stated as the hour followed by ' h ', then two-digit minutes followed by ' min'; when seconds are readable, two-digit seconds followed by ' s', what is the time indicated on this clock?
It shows 5 h 32 min
